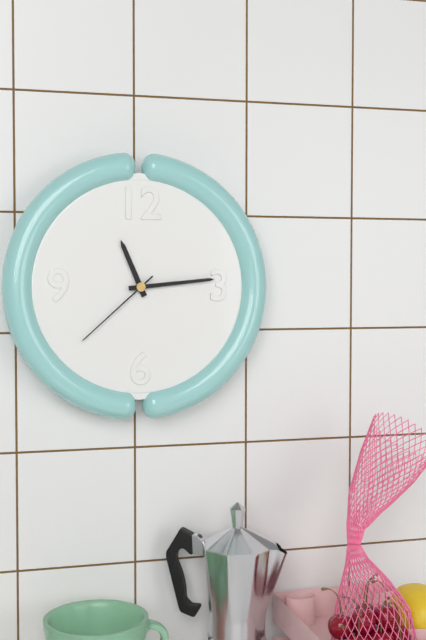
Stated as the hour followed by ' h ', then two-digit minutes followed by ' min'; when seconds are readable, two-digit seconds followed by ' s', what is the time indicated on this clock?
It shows 11 h 14 min 38 s
